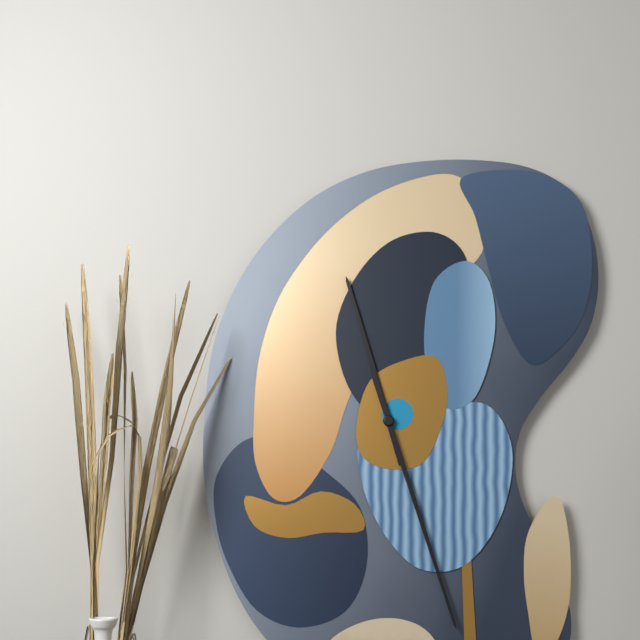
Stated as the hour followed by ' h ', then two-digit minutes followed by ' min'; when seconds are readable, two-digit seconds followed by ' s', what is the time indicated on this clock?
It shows 11 h 27 min
